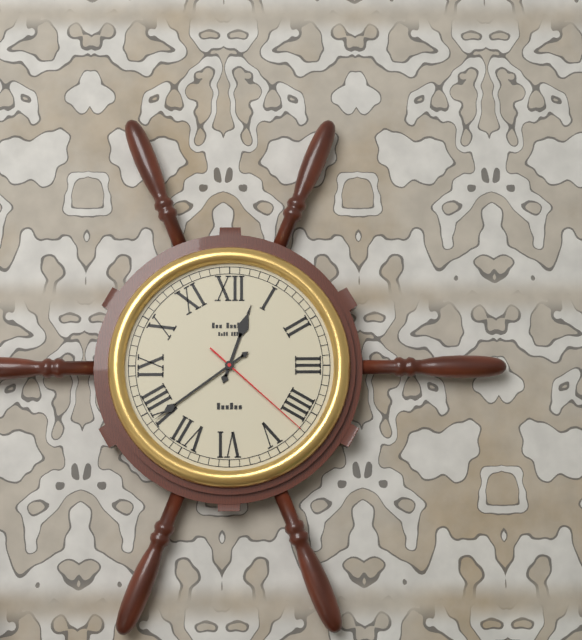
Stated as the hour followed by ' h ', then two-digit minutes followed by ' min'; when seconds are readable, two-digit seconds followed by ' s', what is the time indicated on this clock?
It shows 12 h 39 min 22 s
